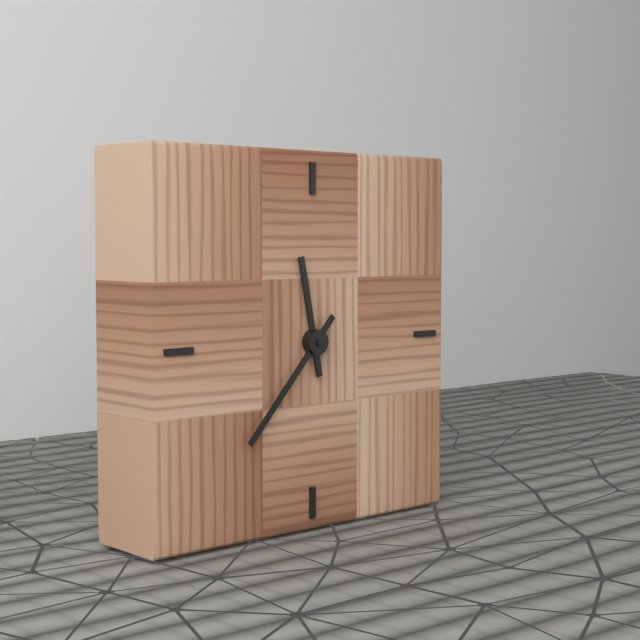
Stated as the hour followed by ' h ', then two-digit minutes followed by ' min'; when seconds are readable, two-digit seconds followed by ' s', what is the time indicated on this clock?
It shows 11 h 37 min
